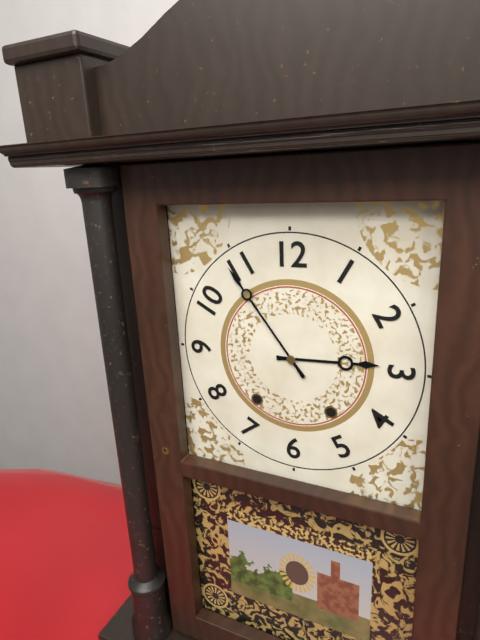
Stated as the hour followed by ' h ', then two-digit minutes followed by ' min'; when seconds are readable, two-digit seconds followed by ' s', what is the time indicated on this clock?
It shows 2 h 54 min
